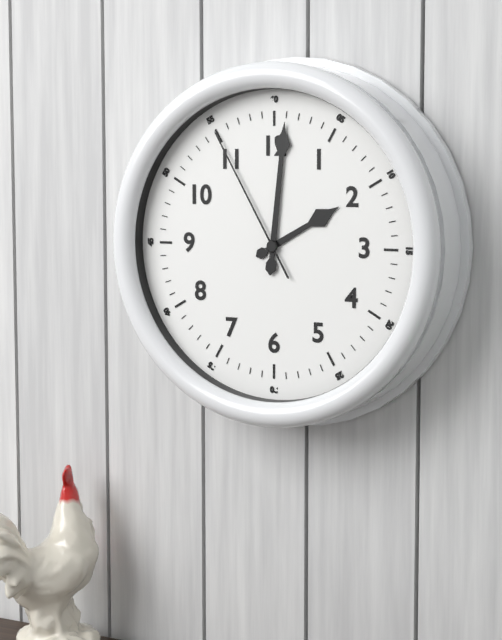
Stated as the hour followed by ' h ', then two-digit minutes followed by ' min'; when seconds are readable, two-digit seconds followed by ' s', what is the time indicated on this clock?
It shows 2 h 01 min 55 s
